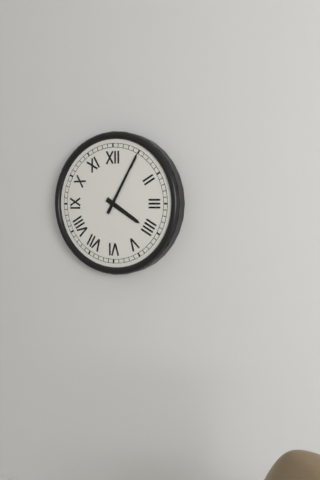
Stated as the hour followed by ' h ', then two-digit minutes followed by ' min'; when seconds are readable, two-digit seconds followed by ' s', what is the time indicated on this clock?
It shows 4 h 05 min
